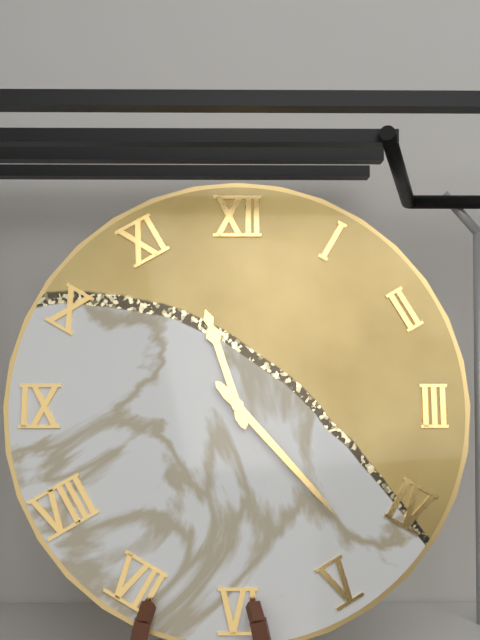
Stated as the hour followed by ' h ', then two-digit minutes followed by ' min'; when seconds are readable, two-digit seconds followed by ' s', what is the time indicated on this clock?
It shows 11 h 23 min
